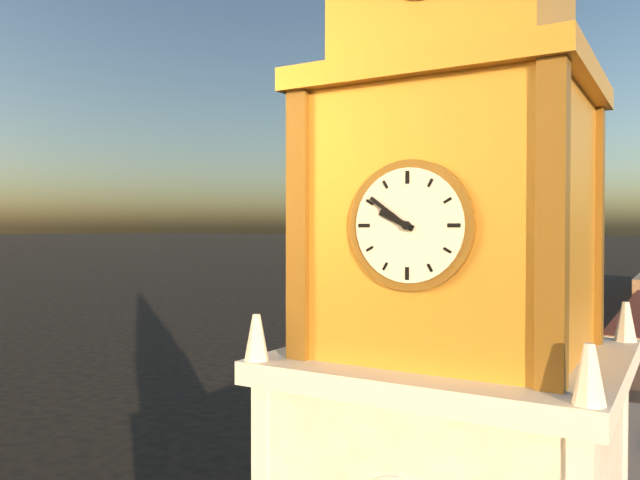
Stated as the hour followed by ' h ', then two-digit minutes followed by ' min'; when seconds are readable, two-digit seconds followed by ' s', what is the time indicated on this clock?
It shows 9 h 51 min
